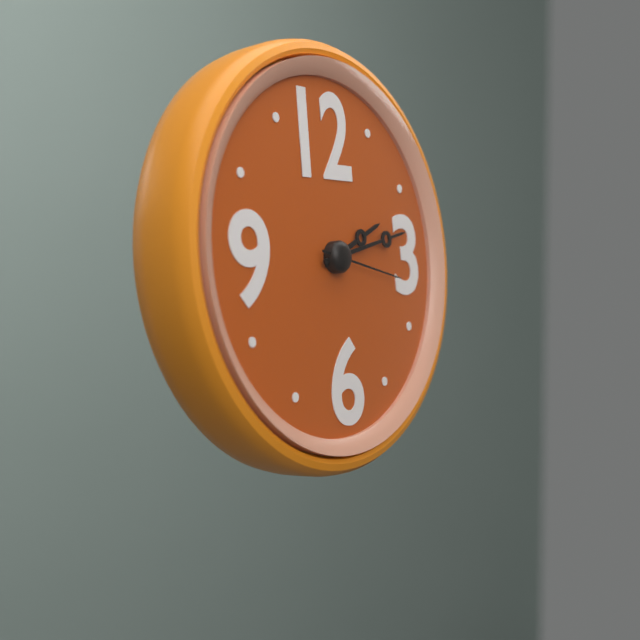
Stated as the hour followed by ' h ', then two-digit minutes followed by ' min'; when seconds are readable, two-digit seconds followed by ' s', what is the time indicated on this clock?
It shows 2 h 13 min 17 s
